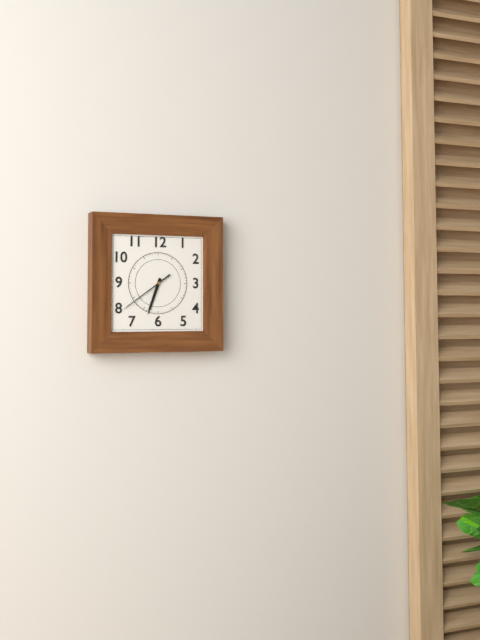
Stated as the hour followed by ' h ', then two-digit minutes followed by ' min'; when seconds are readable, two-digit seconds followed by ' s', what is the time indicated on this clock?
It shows 6 h 39 min
